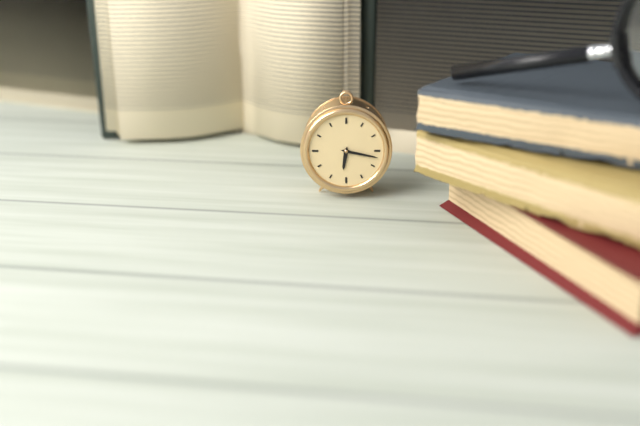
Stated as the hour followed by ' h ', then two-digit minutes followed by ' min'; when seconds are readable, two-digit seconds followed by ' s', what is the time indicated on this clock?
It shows 6 h 17 min
